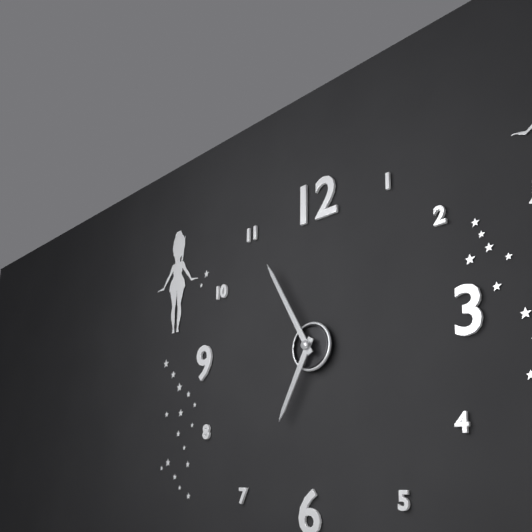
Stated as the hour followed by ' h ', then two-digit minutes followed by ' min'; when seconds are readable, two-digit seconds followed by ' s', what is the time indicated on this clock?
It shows 6 h 55 min
